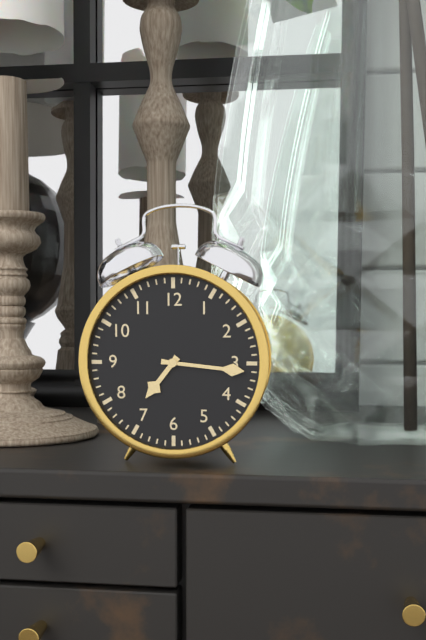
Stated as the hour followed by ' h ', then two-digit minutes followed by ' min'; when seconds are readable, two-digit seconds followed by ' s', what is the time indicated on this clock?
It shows 7 h 16 min
